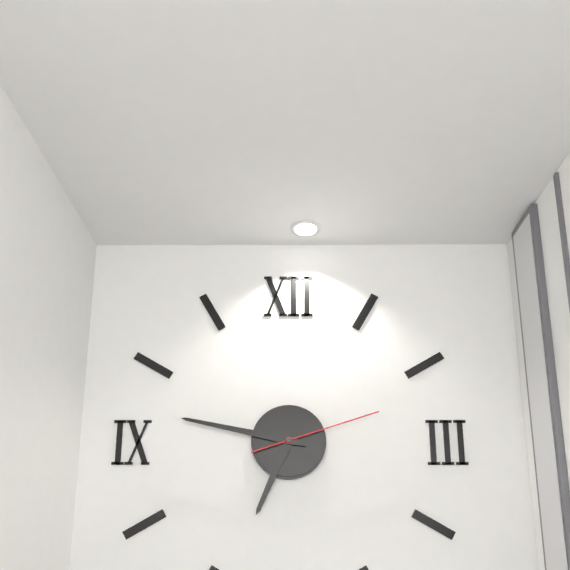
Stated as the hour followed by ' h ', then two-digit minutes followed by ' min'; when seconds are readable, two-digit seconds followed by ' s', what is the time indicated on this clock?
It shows 6 h 47 min 12 s
